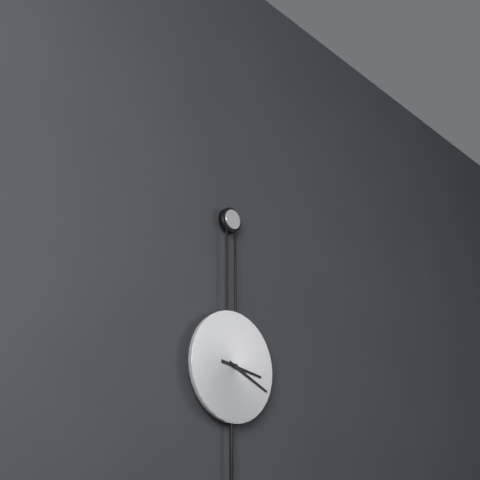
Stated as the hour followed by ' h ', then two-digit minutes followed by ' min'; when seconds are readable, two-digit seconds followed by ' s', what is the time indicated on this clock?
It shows 3 h 19 min
